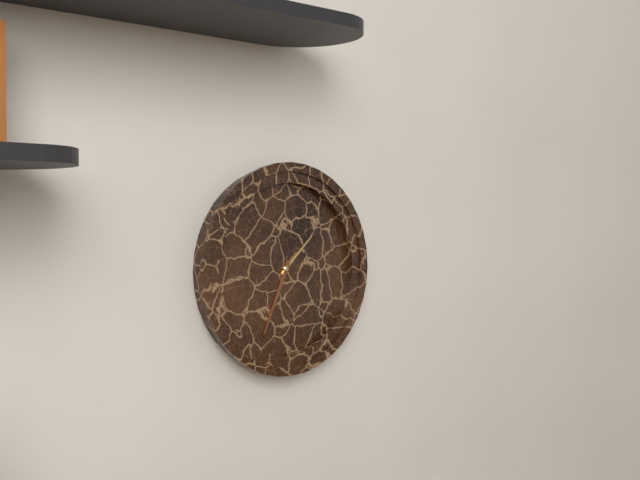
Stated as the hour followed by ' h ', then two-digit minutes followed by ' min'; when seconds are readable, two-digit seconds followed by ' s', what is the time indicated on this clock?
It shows 1 h 34 min
